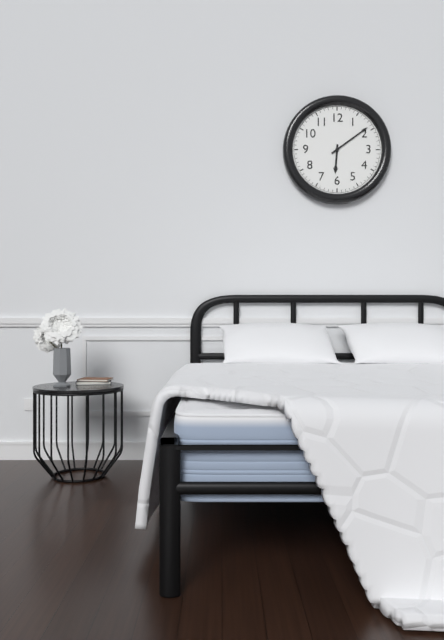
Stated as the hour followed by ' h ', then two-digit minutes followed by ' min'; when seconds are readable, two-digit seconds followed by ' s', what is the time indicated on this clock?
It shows 6 h 09 min
